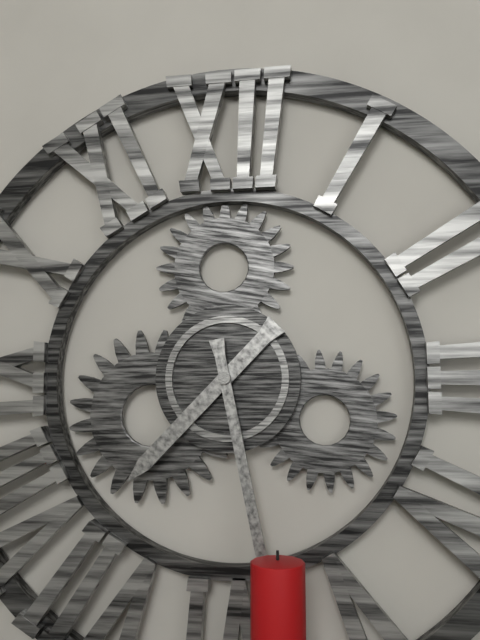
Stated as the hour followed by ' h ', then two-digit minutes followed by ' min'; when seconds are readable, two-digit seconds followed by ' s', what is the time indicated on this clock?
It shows 7 h 28 min
